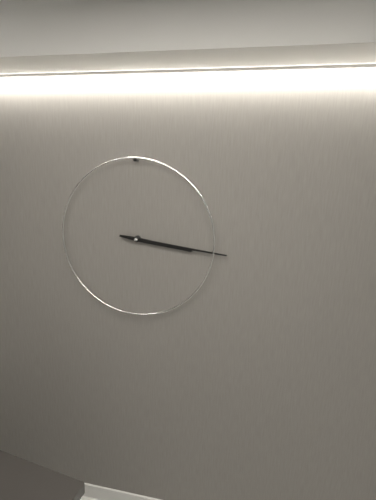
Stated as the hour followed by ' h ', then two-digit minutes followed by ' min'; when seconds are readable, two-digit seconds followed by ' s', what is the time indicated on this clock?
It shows 3 h 16 min
